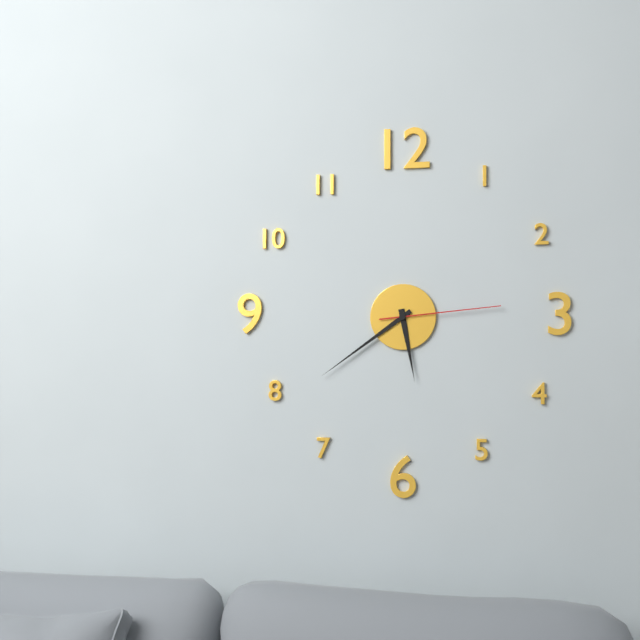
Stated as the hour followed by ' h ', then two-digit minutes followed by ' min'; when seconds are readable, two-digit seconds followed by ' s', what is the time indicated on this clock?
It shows 5 h 39 min 14 s
